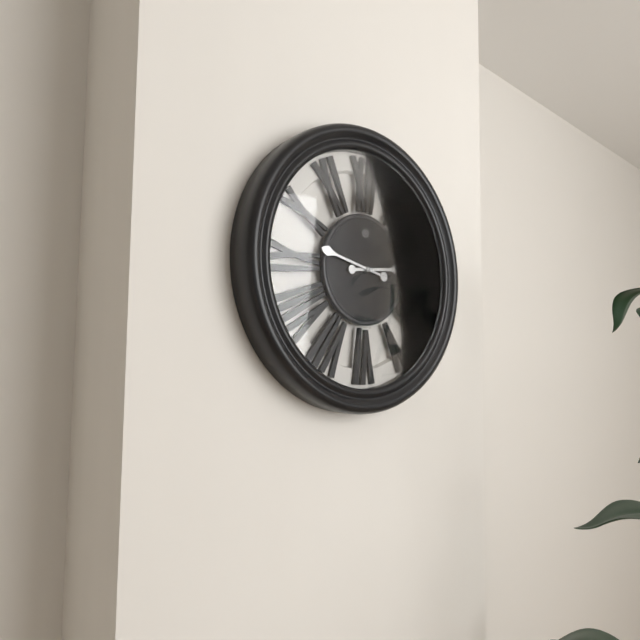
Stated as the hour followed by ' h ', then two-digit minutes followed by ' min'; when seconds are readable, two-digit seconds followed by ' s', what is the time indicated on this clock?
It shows 2 h 47 min
